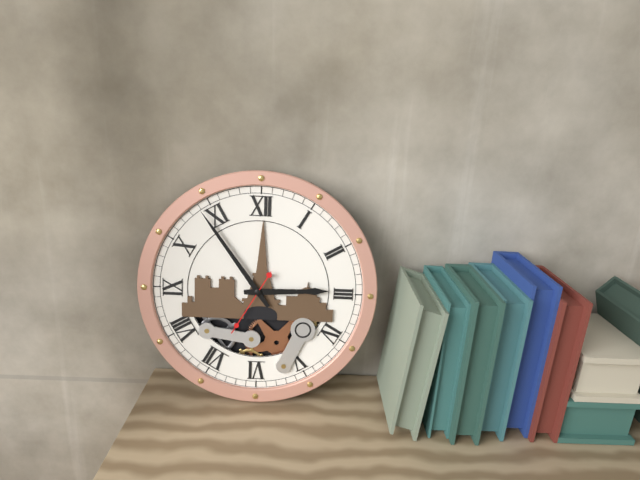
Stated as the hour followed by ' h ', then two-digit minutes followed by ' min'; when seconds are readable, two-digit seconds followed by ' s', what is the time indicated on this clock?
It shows 2 h 54 min 35 s
